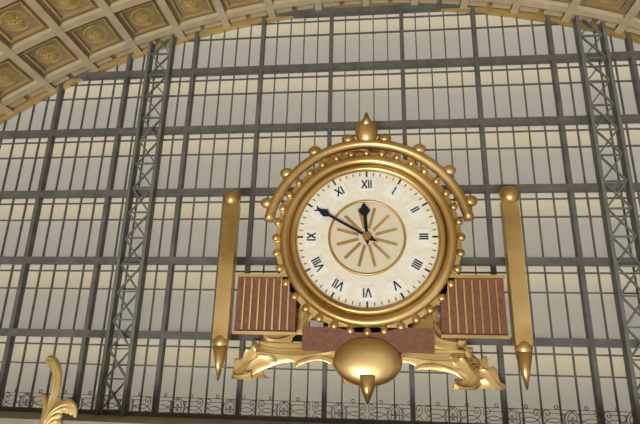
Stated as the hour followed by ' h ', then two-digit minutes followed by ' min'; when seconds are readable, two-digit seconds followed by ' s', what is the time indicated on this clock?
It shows 11 h 50 min
